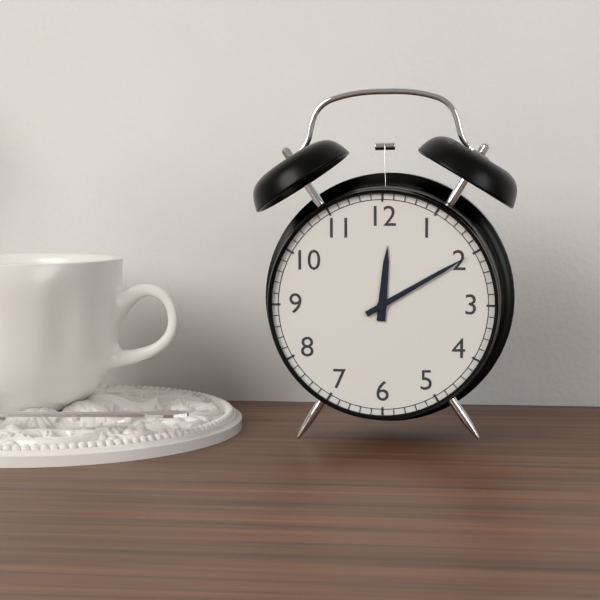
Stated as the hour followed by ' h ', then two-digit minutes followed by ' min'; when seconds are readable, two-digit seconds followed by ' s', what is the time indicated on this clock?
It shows 12 h 10 min
